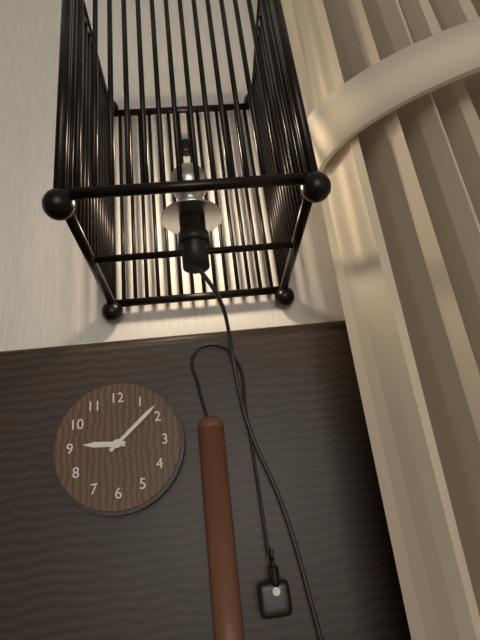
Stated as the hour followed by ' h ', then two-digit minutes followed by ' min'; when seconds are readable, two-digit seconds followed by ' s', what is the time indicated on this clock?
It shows 9 h 08 min
